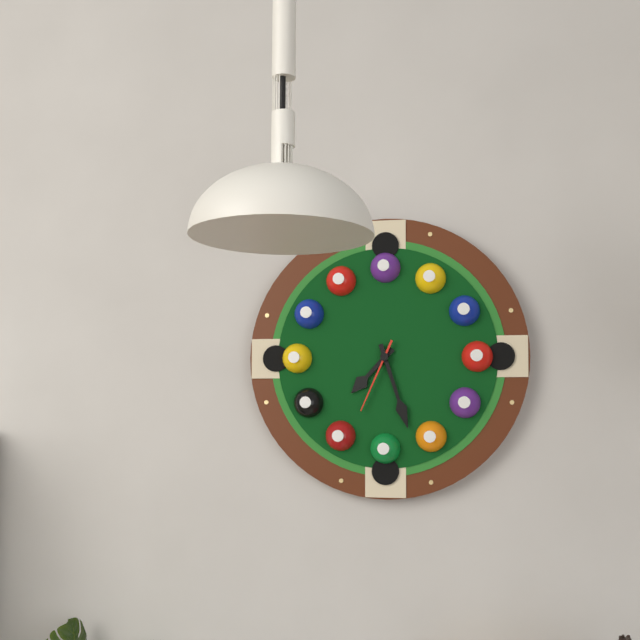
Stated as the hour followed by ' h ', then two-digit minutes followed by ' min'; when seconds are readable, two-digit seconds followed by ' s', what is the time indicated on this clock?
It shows 7 h 27 min 34 s
